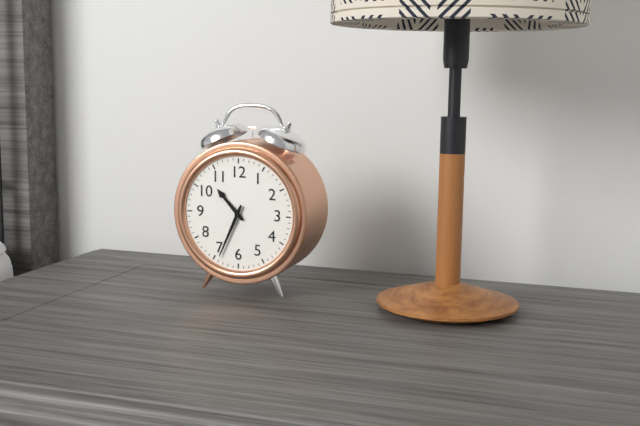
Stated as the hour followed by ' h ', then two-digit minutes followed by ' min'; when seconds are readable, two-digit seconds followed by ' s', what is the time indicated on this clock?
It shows 10 h 34 min
